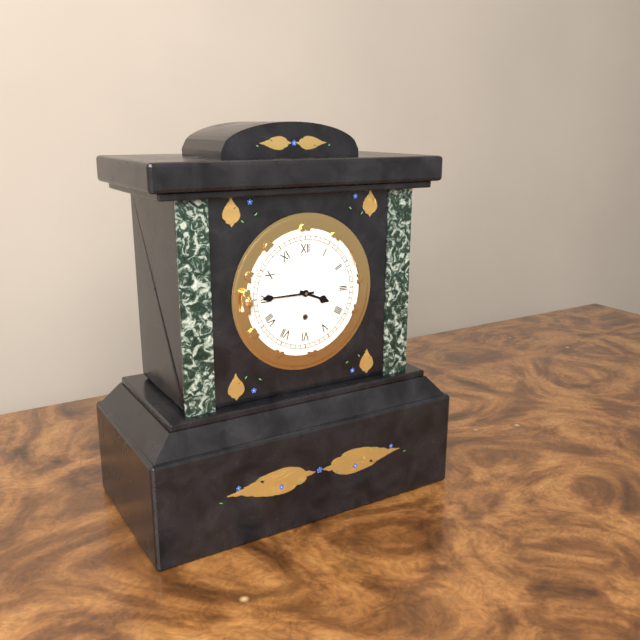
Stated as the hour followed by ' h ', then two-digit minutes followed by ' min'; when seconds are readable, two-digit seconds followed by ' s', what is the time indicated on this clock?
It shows 3 h 45 min
